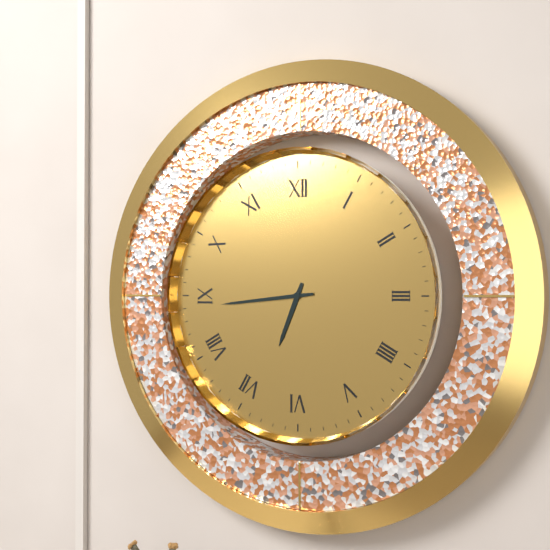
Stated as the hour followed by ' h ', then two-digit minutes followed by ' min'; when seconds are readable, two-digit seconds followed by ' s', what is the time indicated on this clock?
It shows 6 h 44 min
